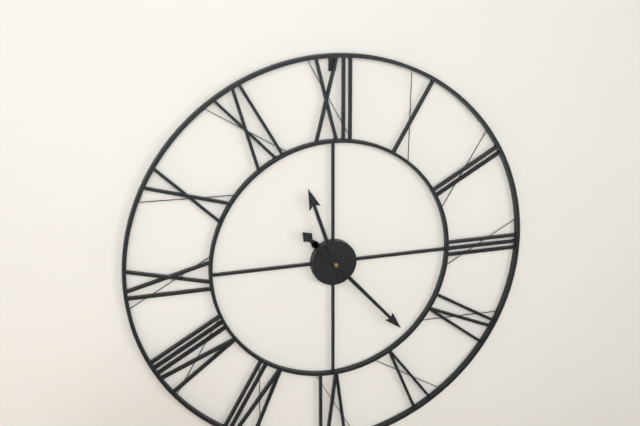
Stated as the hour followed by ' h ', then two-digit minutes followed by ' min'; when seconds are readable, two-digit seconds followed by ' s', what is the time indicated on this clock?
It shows 11 h 23 min
